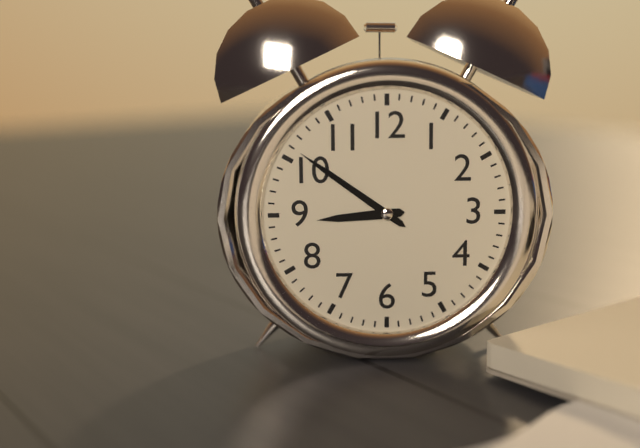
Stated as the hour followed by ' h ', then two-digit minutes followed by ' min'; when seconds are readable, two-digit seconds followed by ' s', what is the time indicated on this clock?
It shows 8 h 51 min
